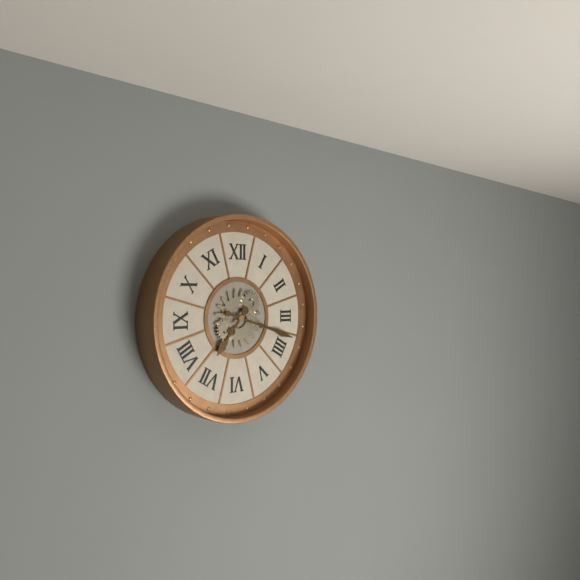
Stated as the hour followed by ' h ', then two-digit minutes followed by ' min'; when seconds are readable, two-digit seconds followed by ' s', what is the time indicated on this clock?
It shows 7 h 18 min
